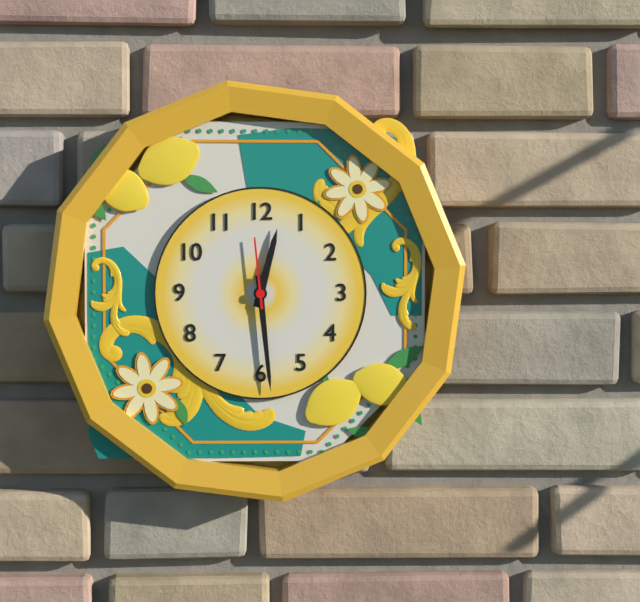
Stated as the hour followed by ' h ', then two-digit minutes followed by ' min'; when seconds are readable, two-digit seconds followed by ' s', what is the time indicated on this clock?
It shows 12 h 29 min 59 s
